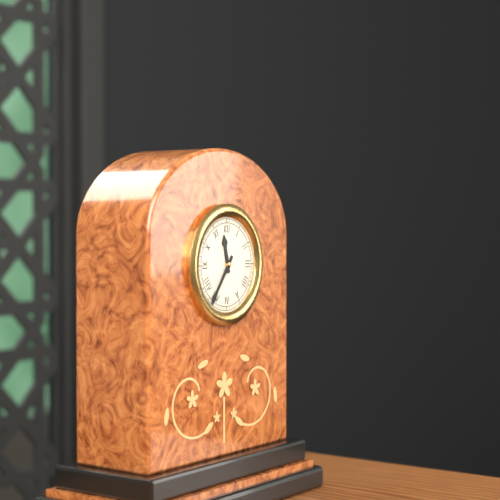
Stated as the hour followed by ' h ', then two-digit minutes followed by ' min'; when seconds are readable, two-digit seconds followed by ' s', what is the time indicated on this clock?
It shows 11 h 36 min
